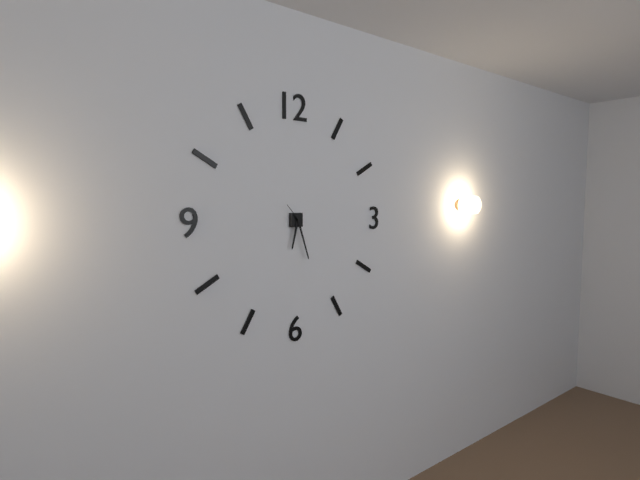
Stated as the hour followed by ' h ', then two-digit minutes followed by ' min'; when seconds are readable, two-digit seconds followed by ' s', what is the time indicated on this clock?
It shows 6 h 27 min
